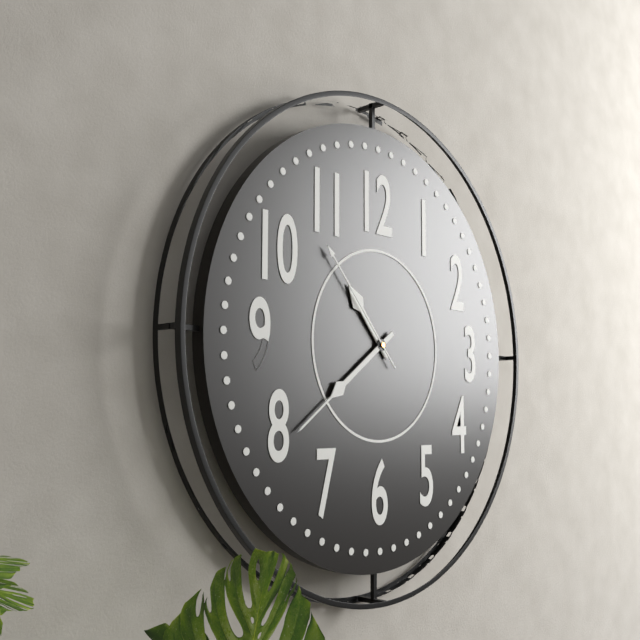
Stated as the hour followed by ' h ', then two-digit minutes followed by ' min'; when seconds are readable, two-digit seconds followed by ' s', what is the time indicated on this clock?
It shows 10 h 39 min 53 s
